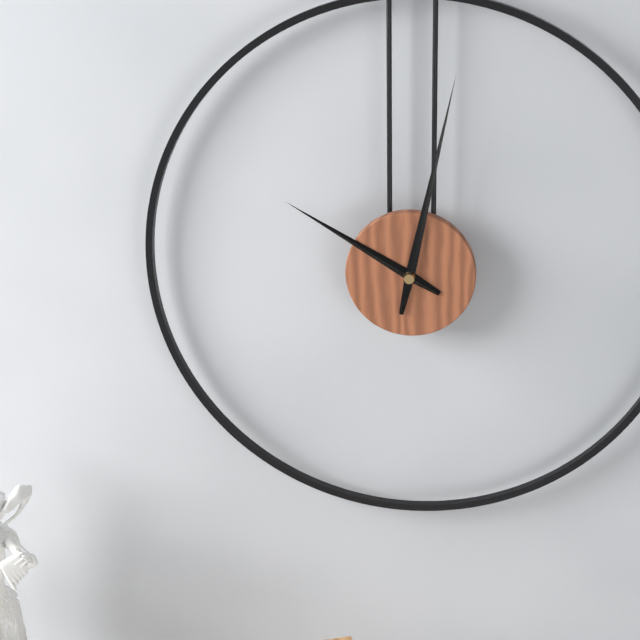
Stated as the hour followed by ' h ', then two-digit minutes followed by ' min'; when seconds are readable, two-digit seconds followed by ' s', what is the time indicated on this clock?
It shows 10 h 02 min
